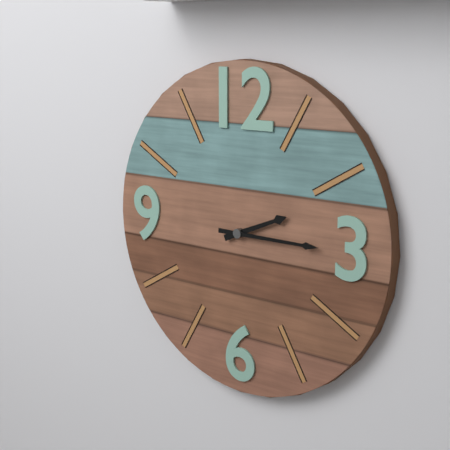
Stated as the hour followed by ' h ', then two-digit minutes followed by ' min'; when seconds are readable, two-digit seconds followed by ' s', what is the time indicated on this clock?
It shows 2 h 15 min
